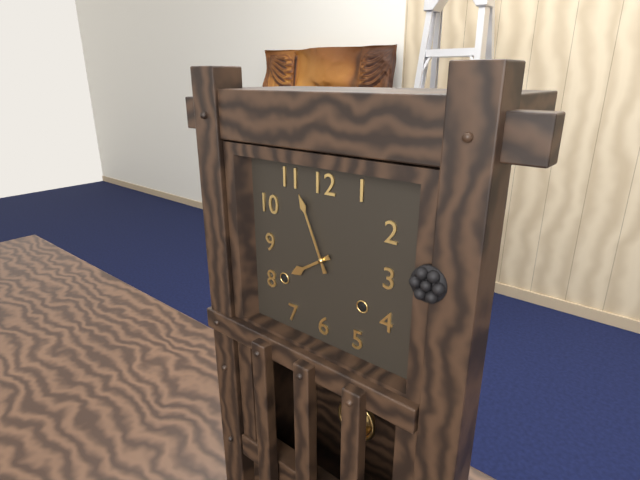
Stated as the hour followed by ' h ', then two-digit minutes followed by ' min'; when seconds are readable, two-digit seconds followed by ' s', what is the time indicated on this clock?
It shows 7 h 56 min
